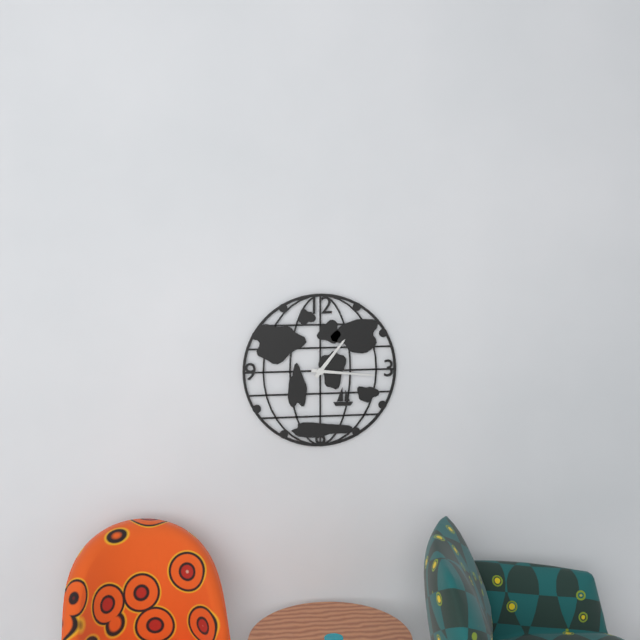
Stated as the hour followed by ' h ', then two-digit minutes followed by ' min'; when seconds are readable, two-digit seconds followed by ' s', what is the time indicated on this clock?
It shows 1 h 16 min
